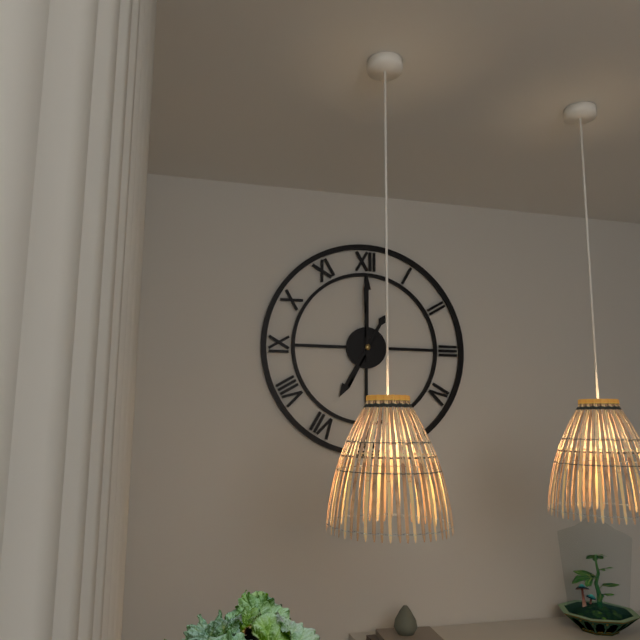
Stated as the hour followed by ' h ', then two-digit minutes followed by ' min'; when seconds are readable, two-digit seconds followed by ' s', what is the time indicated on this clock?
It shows 7 h 00 min
